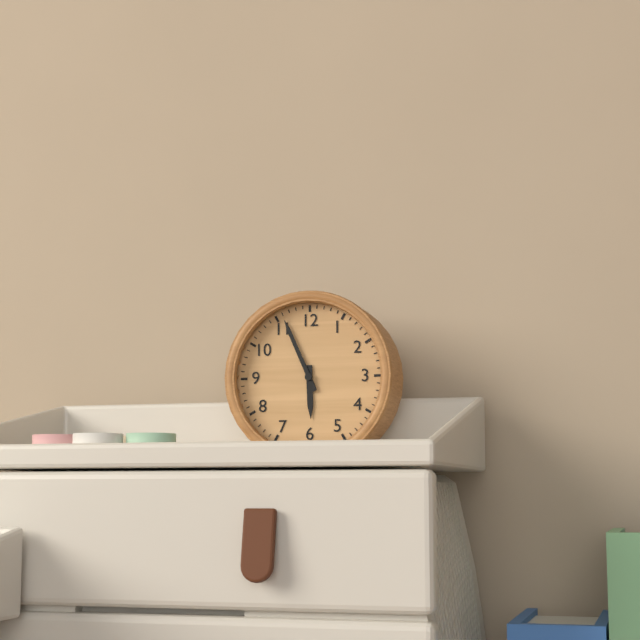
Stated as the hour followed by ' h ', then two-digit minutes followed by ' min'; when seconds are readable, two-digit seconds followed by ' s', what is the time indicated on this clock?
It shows 5 h 56 min
